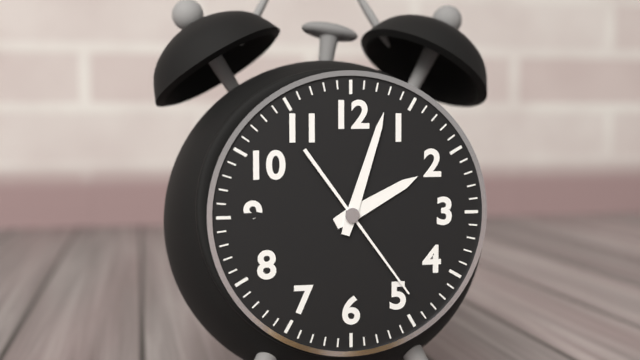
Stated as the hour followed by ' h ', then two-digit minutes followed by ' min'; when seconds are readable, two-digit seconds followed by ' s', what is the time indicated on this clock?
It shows 2 h 03 min 24 s
